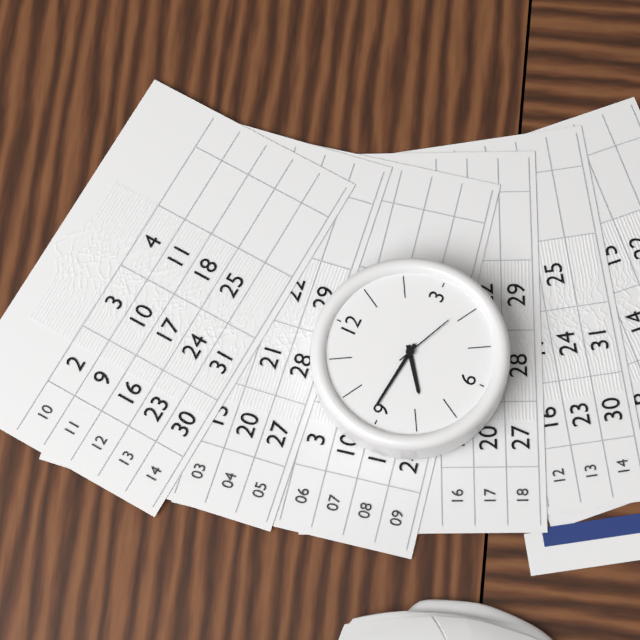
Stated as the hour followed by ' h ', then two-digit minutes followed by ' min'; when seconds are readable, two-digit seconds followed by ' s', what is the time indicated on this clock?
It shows 7 h 46 min 19 s
